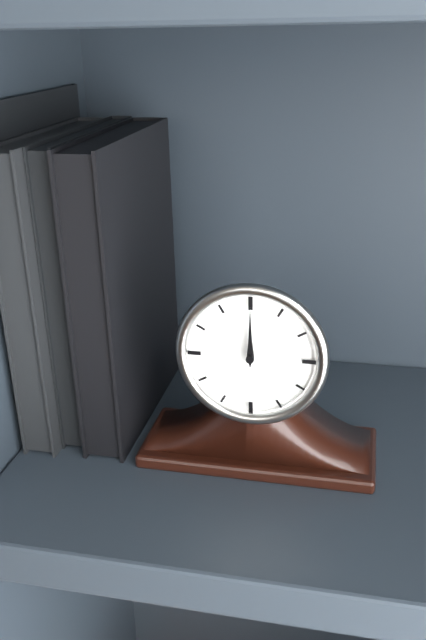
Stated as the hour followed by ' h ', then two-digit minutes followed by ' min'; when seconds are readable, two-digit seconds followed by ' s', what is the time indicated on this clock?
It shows 12 h 00 min
